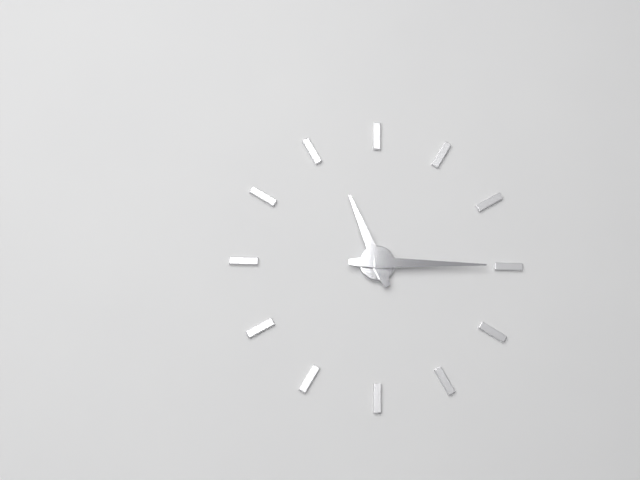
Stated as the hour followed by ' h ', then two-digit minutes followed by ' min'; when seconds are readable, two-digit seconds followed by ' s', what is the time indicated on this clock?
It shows 11 h 15 min
